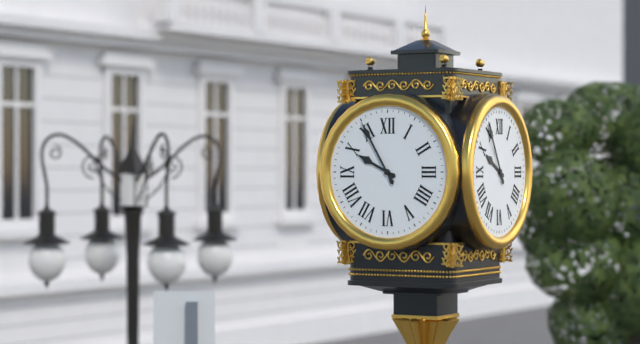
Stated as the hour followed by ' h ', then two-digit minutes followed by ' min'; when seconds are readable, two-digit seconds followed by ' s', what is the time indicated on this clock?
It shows 9 h 55 min
